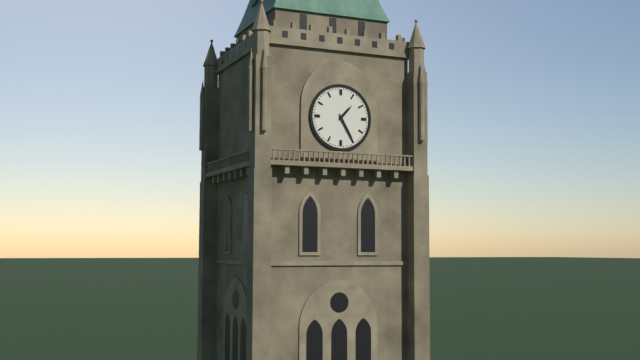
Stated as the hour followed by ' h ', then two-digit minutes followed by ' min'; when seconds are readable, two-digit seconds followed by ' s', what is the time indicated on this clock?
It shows 1 h 25 min
